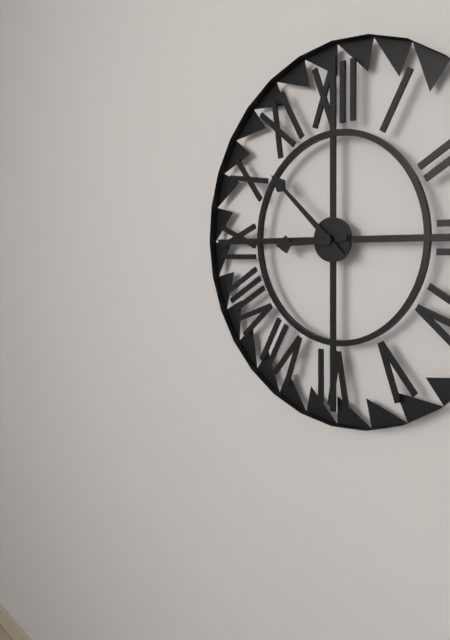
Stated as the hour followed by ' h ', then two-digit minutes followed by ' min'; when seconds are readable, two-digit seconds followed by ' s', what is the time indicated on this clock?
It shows 8 h 52 min
